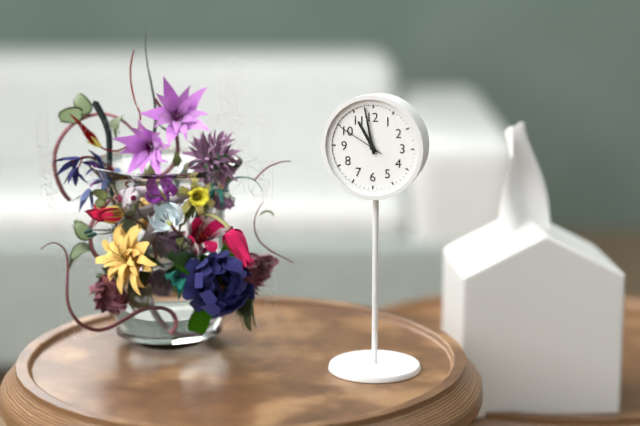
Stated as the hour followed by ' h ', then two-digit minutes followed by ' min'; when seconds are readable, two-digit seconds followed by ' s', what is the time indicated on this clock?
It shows 10 h 58 min
